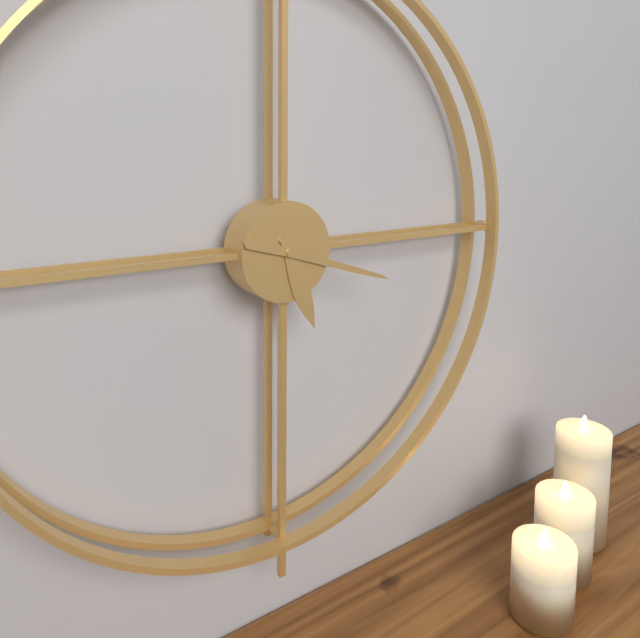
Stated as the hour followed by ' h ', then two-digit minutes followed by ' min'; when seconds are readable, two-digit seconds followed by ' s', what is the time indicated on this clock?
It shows 5 h 18 min
